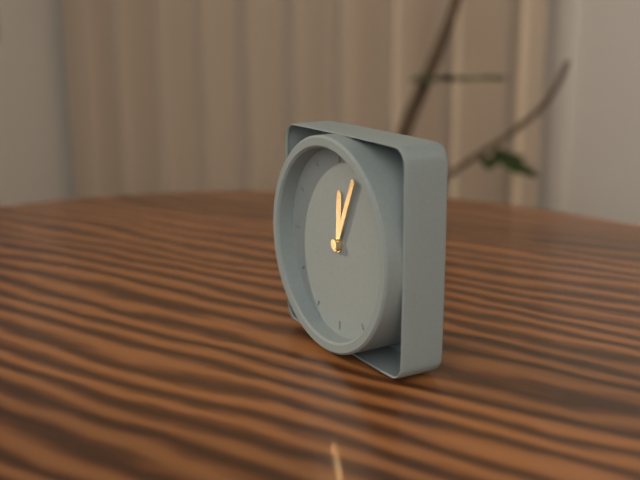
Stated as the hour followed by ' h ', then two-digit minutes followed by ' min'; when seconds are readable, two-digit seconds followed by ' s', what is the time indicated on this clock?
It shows 12 h 04 min
